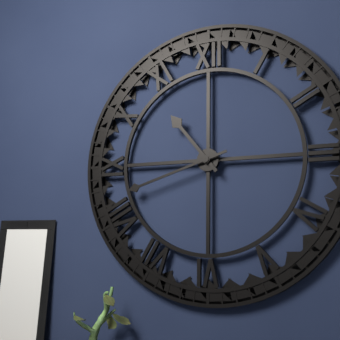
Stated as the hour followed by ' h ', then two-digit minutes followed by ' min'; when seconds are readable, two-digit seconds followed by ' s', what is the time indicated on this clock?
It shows 10 h 42 min
